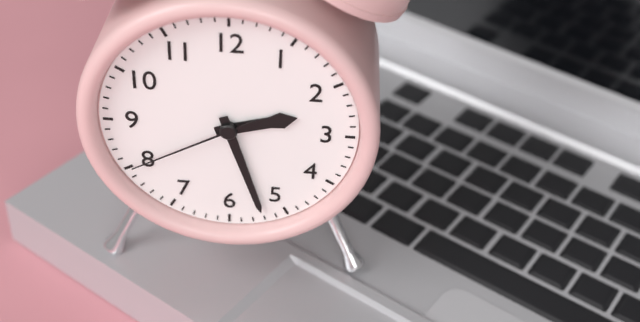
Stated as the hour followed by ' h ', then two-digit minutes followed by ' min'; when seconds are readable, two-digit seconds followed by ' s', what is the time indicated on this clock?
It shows 2 h 27 min 40 s
